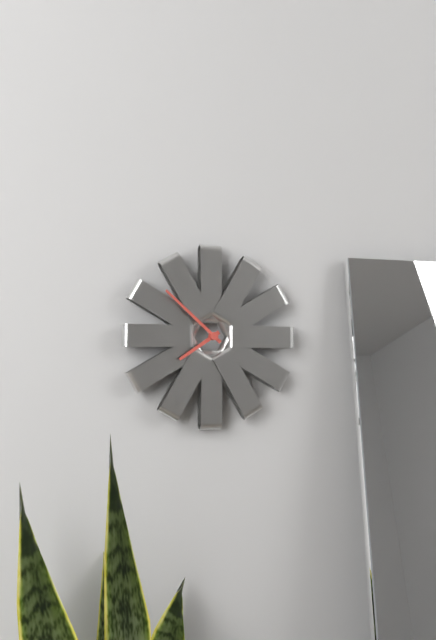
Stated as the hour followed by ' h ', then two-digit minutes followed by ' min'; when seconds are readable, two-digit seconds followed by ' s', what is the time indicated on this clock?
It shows 7 h 52 min
